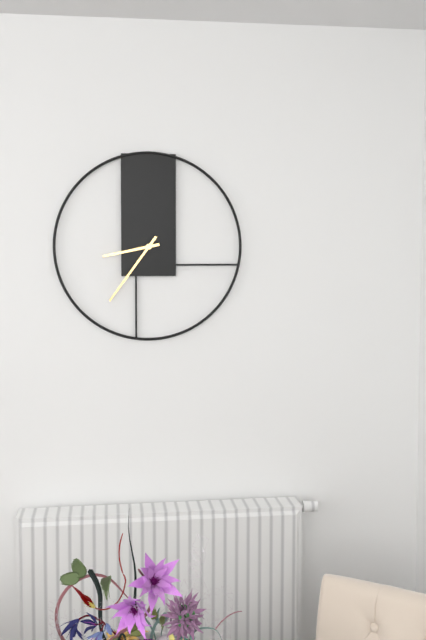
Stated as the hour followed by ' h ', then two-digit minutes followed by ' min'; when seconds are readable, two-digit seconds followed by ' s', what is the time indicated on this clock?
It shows 8 h 36 min
